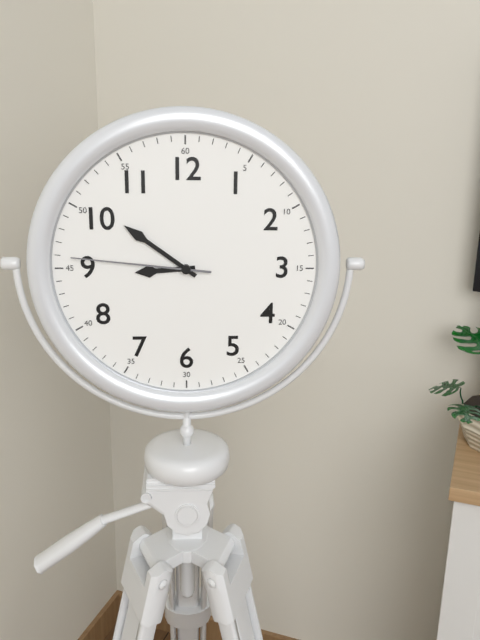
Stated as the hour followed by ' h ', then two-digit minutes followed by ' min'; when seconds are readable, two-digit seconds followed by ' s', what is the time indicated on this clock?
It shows 8 h 51 min 46 s
